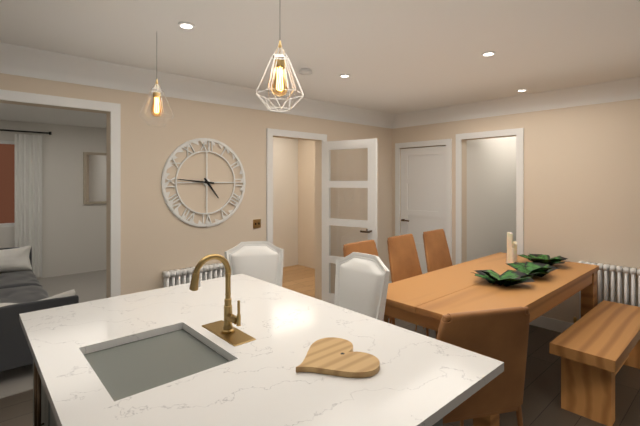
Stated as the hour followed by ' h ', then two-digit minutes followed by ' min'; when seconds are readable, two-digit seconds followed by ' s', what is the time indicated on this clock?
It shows 4 h 46 min
